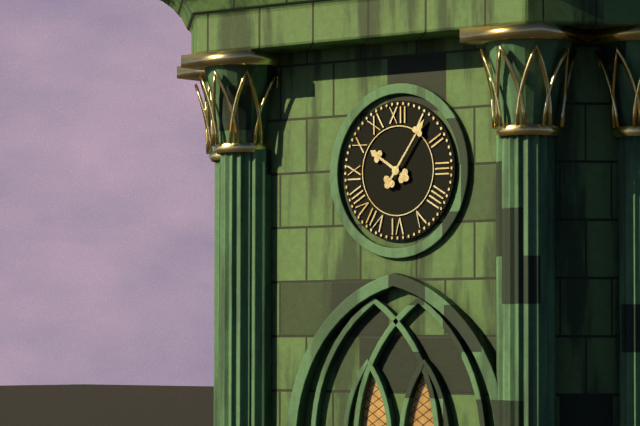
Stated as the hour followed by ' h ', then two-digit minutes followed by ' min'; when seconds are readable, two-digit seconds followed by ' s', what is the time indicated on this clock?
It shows 10 h 06 min
